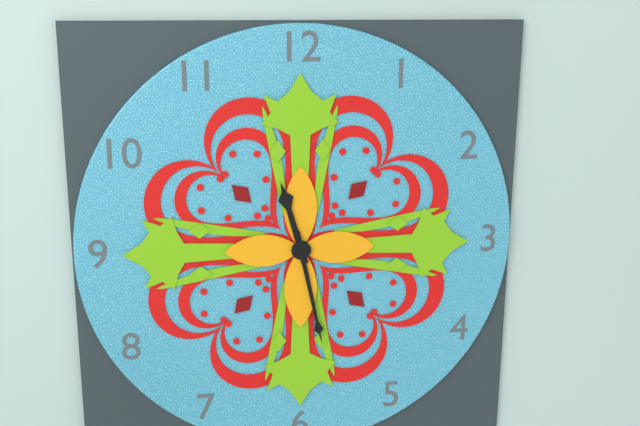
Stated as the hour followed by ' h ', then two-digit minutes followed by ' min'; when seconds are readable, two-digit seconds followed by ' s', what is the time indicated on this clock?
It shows 11 h 28 min
